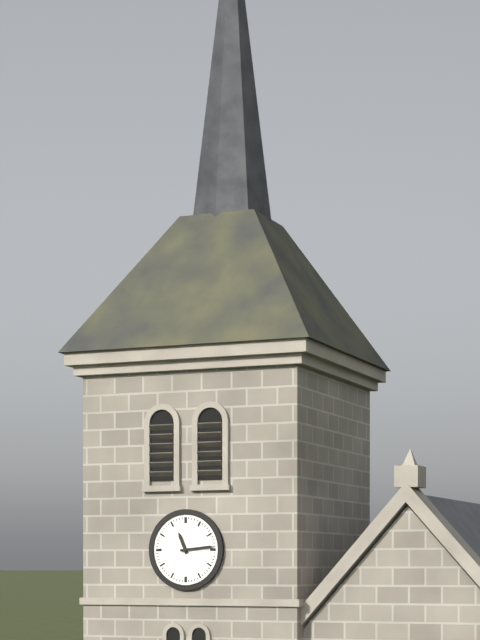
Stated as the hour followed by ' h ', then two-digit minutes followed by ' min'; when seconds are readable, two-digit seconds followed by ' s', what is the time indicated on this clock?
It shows 11 h 14 min
